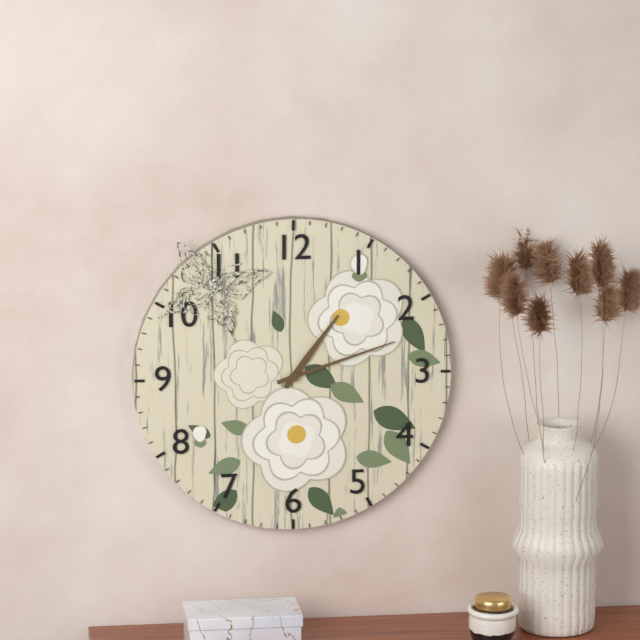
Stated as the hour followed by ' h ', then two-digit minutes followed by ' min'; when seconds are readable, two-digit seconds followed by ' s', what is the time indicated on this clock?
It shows 1 h 12 min
